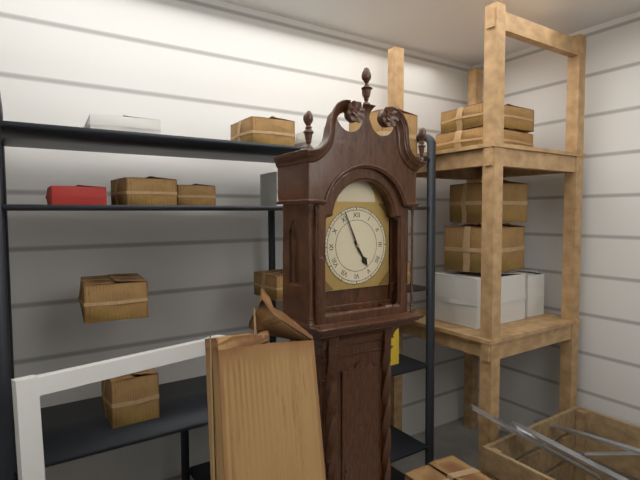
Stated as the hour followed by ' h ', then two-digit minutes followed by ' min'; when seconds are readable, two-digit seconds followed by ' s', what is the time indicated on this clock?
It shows 4 h 56 min
